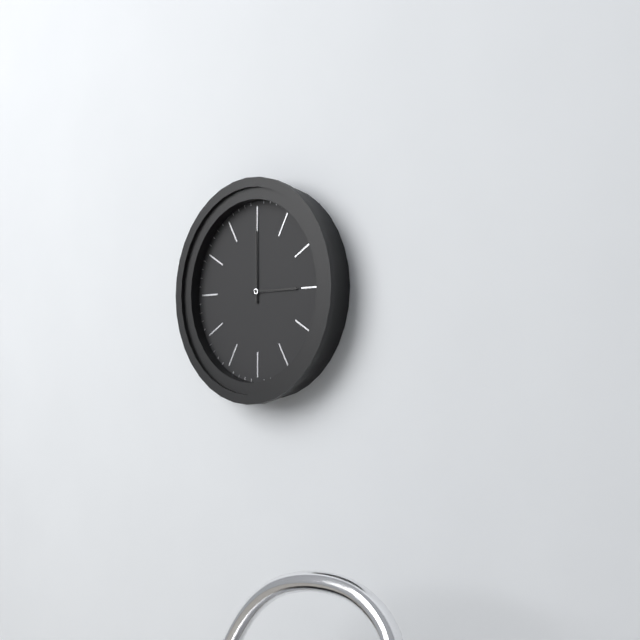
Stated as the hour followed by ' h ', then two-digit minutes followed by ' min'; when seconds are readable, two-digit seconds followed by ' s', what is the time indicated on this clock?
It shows 3 h 00 min
